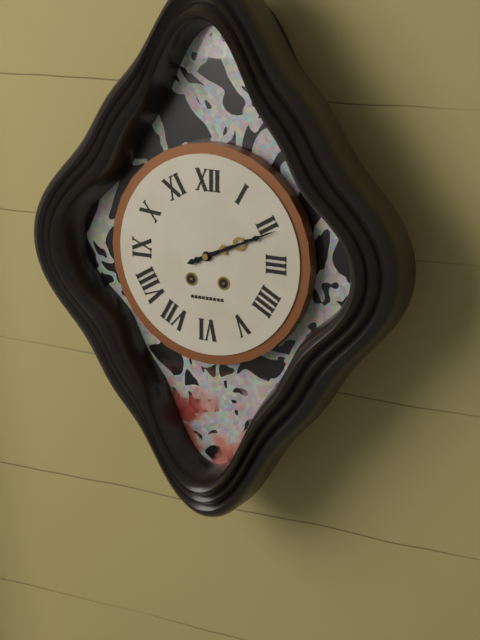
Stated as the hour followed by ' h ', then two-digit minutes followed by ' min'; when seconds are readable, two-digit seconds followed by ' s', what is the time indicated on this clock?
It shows 2 h 11 min
